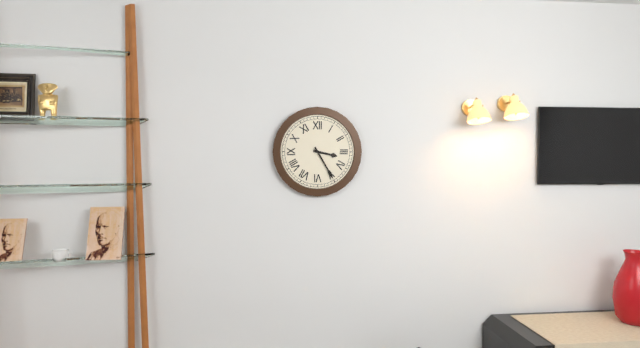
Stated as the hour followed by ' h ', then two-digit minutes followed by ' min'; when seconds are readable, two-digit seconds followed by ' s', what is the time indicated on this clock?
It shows 3 h 25 min
